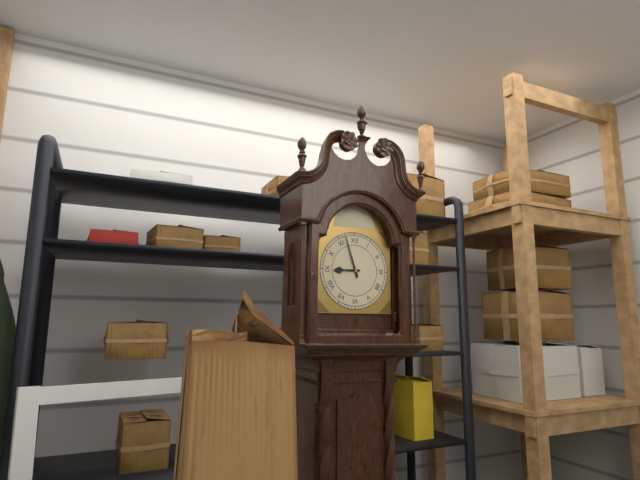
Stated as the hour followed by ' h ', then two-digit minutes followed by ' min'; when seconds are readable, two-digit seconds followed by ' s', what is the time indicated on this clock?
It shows 8 h 57 min
